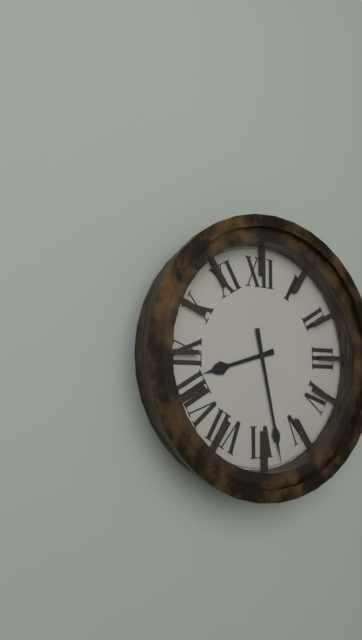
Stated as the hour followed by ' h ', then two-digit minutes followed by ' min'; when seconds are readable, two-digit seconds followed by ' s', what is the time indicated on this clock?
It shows 8 h 28 min
